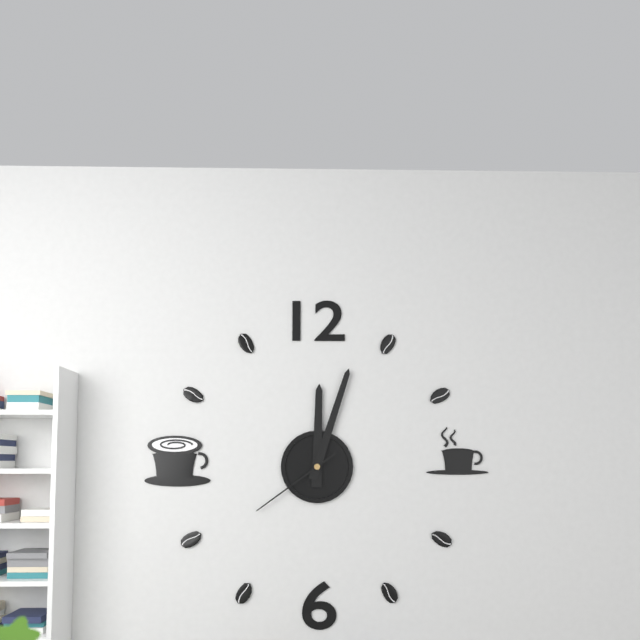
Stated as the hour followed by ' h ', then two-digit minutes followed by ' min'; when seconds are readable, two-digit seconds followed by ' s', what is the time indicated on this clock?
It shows 12 h 03 min 39 s
